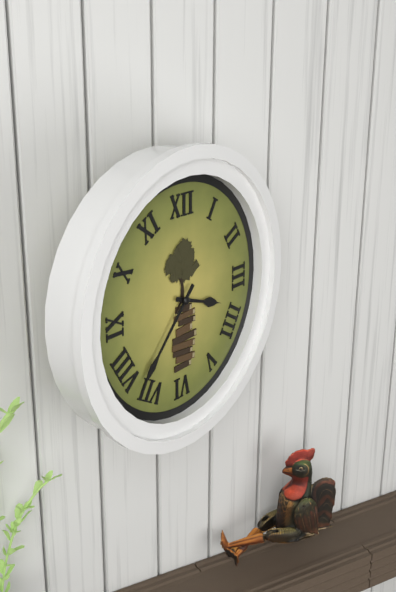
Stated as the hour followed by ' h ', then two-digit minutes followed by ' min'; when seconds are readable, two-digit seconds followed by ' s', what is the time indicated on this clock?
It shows 3 h 37 min
